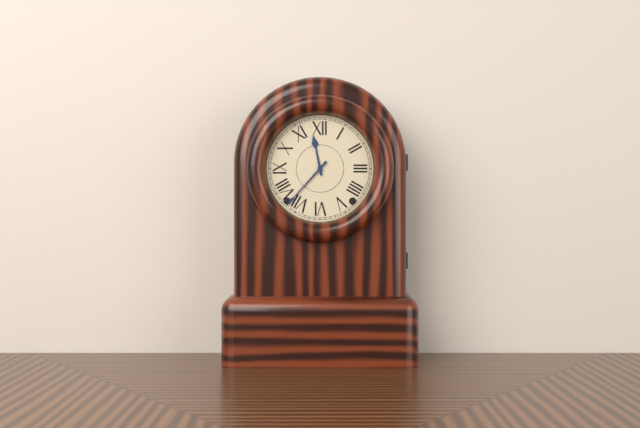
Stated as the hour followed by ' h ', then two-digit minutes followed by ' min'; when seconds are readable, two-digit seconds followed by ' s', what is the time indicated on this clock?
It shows 11 h 37 min
